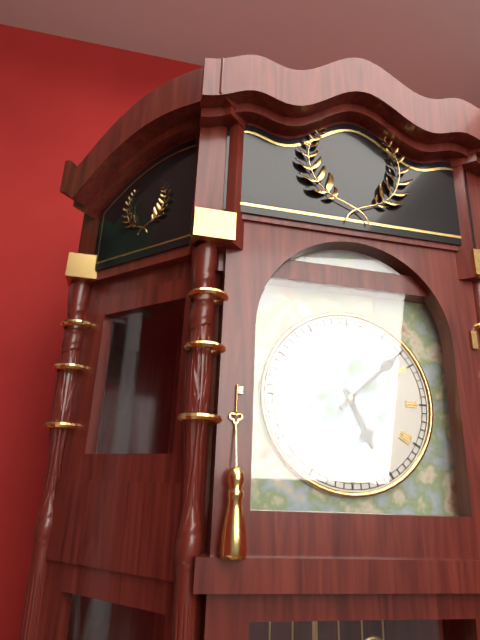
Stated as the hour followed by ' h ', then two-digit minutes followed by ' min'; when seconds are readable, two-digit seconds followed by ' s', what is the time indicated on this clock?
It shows 5 h 08 min
